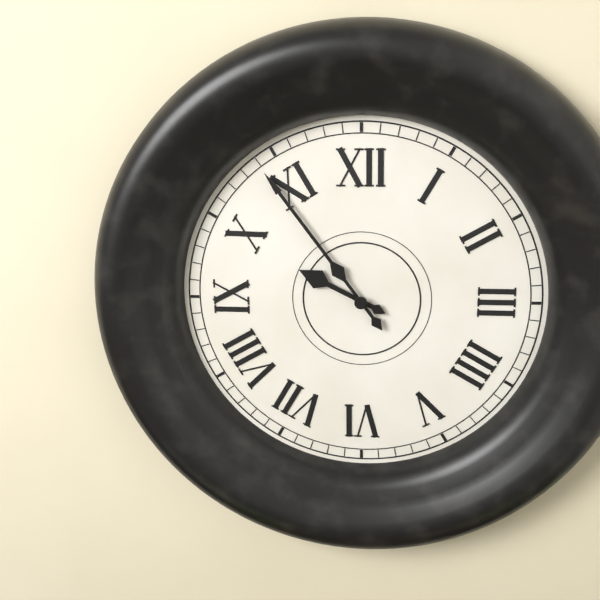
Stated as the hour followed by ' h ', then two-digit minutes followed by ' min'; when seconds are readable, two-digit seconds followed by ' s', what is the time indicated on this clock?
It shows 9 h 54 min
